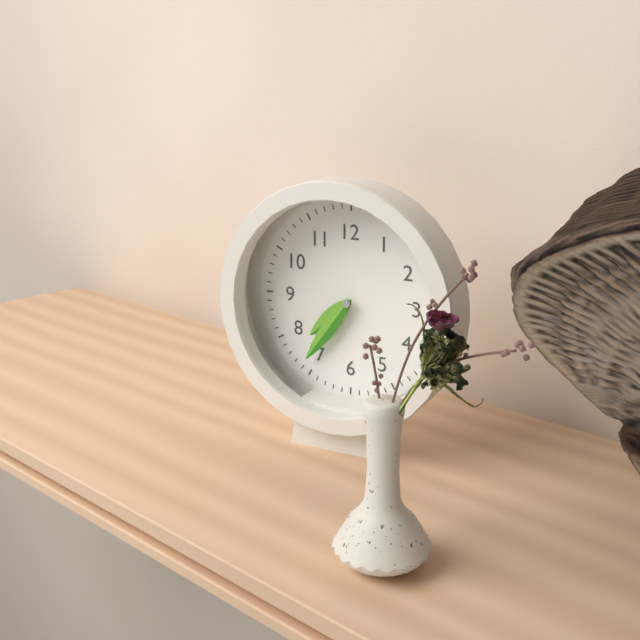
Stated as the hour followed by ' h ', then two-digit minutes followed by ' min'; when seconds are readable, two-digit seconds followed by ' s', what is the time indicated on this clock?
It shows 7 h 36 min
